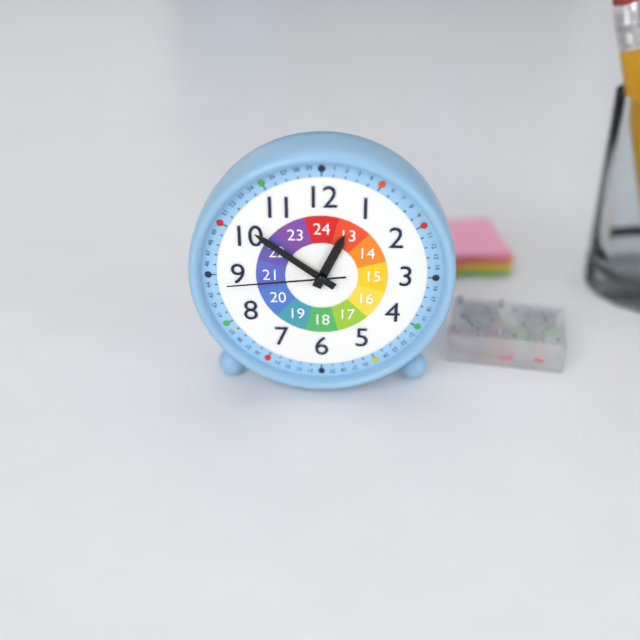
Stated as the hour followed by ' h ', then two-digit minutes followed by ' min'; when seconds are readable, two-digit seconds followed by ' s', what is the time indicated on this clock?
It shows 12 h 51 min 44 s
